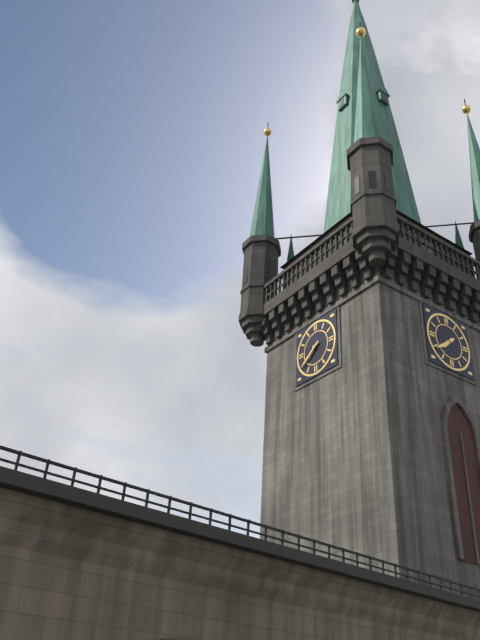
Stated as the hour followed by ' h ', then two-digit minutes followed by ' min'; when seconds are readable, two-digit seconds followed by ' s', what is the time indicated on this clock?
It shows 7 h 39 min
